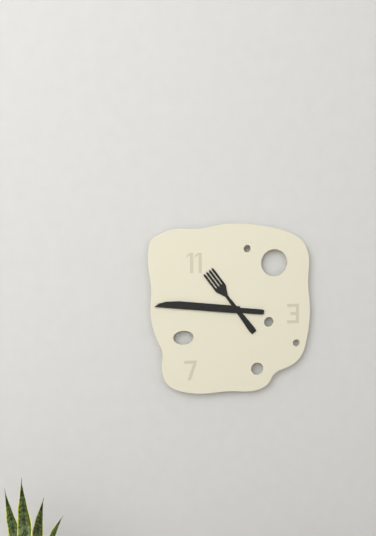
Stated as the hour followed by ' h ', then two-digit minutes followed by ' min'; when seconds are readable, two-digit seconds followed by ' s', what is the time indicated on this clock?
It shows 10 h 46 min
